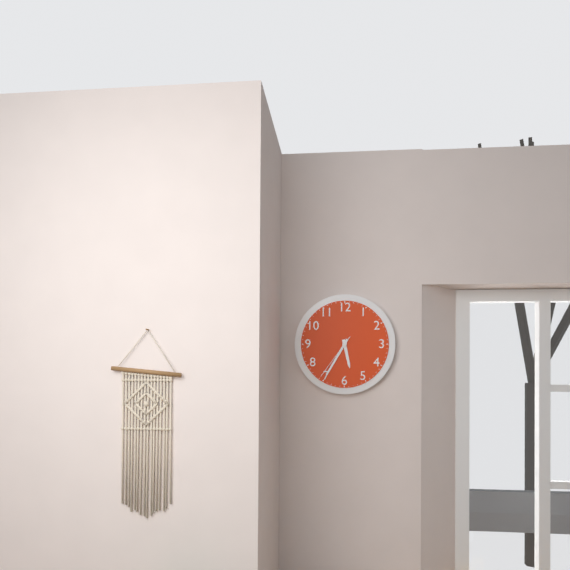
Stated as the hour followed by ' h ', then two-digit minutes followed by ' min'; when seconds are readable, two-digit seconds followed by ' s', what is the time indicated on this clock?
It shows 5 h 35 min 36 s
